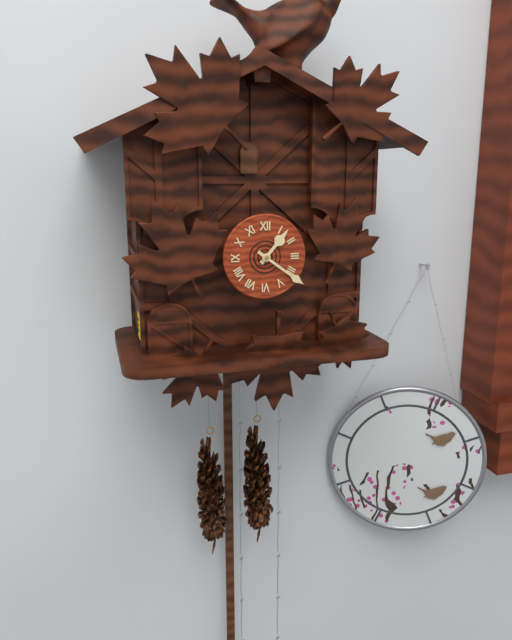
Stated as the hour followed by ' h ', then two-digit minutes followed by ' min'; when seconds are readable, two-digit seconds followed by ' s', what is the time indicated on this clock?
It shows 1 h 21 min
